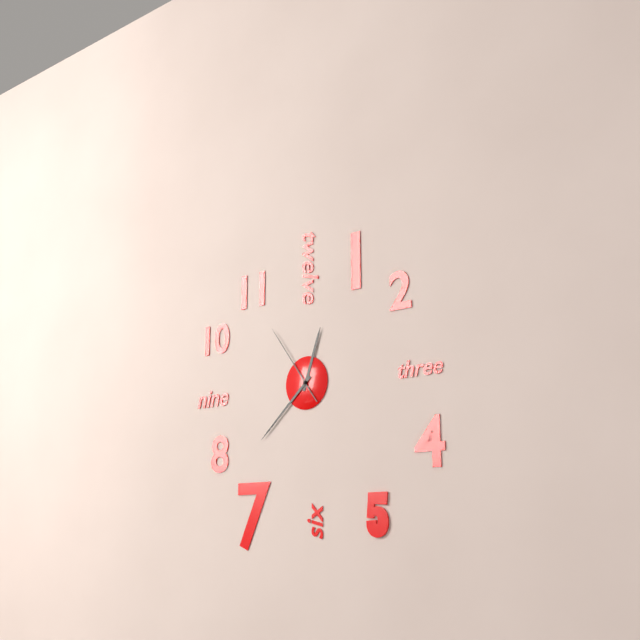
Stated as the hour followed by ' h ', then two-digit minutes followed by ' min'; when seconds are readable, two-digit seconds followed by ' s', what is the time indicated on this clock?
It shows 12 h 38 min 54 s
